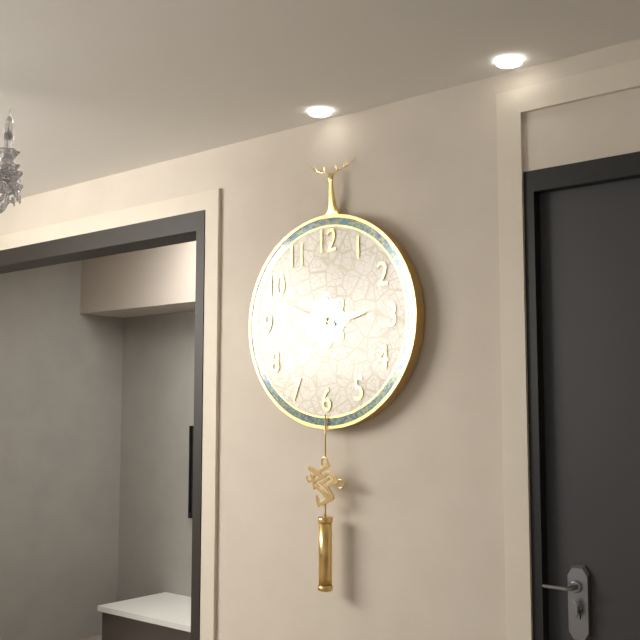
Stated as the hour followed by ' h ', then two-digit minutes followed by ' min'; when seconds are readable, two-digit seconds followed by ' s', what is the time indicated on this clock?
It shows 2 h 48 min
